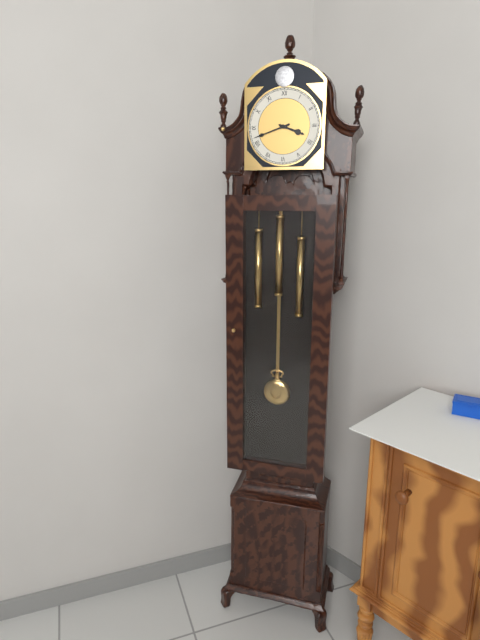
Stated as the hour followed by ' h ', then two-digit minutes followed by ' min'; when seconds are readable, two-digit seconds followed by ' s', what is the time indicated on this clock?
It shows 3 h 42 min
